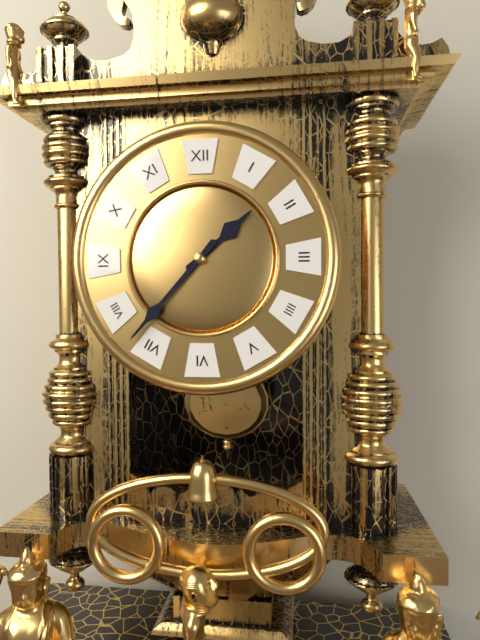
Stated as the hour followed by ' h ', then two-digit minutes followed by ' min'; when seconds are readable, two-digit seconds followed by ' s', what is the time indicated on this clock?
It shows 1 h 37 min
